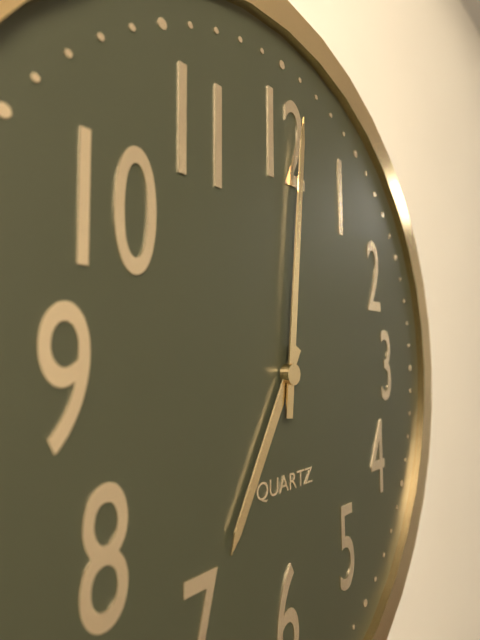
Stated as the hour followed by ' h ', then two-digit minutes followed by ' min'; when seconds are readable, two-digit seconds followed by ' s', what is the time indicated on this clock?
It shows 7 h 01 min
